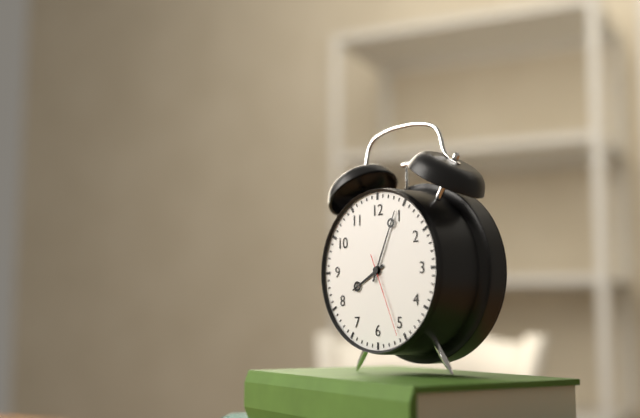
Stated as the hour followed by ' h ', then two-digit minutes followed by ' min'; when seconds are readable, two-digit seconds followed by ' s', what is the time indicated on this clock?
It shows 8 h 04 min 26 s
